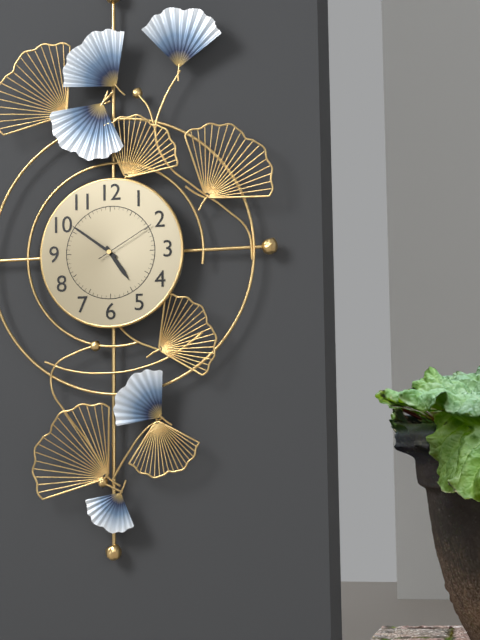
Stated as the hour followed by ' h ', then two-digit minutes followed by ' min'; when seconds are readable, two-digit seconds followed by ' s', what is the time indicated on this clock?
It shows 4 h 51 min 10 s
